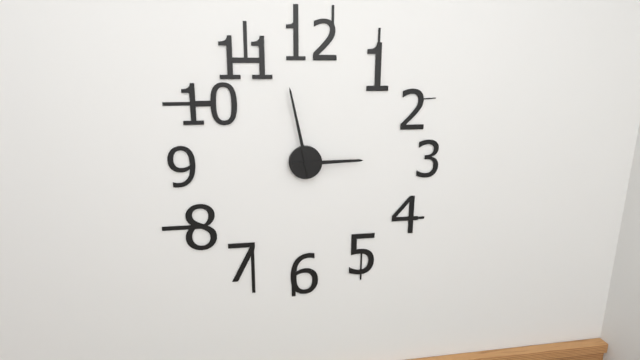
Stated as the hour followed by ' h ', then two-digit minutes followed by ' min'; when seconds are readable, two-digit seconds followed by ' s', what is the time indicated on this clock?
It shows 2 h 58 min
